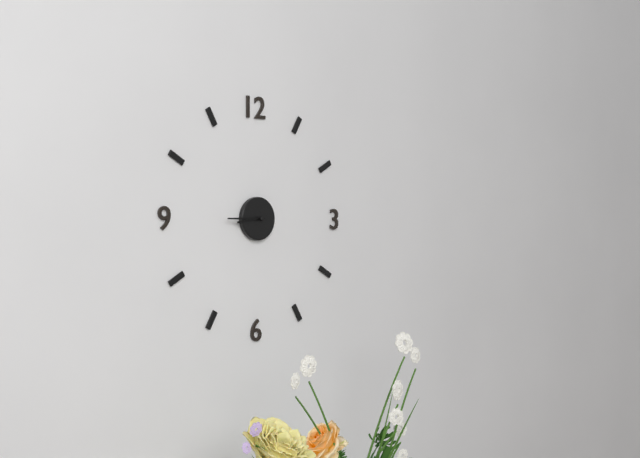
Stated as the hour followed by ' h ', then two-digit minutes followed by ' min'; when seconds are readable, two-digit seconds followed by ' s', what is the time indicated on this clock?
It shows 8 h 45 min
